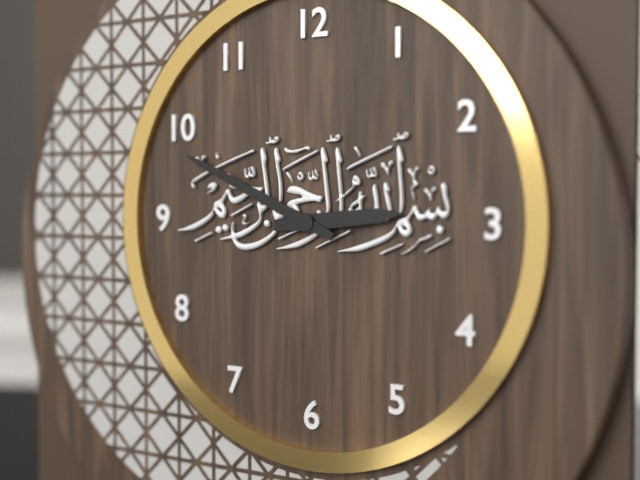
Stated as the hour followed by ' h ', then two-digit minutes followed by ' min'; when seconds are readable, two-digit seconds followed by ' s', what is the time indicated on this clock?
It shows 2 h 49 min
